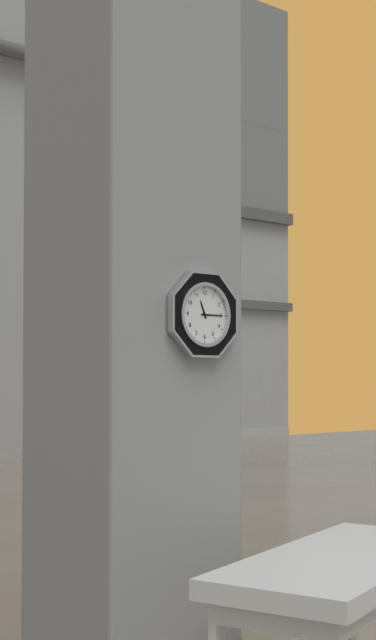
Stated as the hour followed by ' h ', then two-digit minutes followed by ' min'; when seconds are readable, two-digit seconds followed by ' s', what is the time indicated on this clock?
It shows 11 h 15 min
